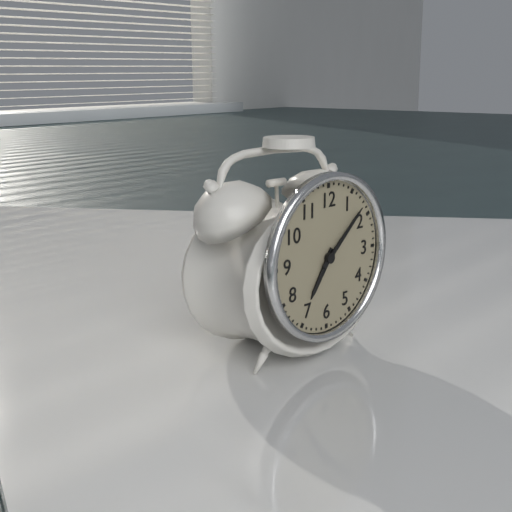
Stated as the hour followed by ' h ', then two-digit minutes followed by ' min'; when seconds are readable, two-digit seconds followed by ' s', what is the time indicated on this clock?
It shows 7 h 08 min
